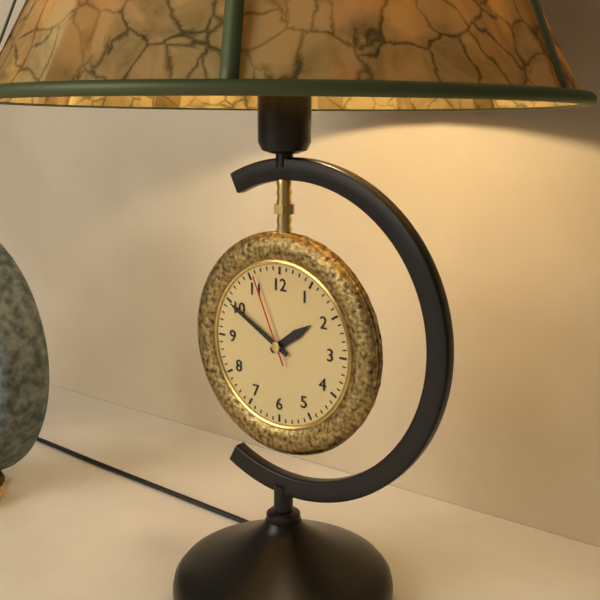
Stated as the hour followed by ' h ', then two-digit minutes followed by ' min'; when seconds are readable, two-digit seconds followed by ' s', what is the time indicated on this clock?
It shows 1 h 50 min 56 s
